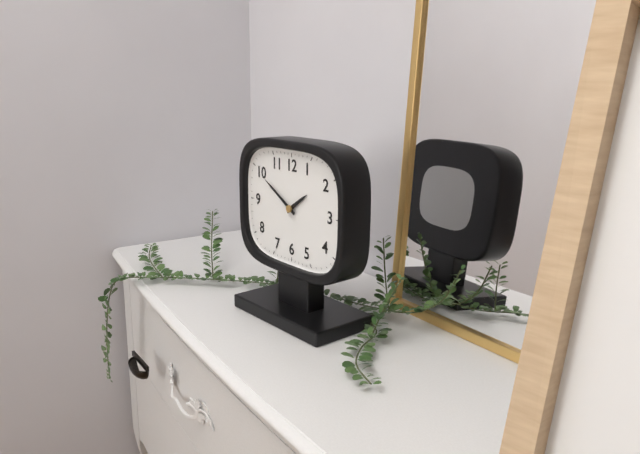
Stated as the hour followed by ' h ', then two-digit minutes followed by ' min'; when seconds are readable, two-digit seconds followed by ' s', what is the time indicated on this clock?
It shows 1 h 50 min
